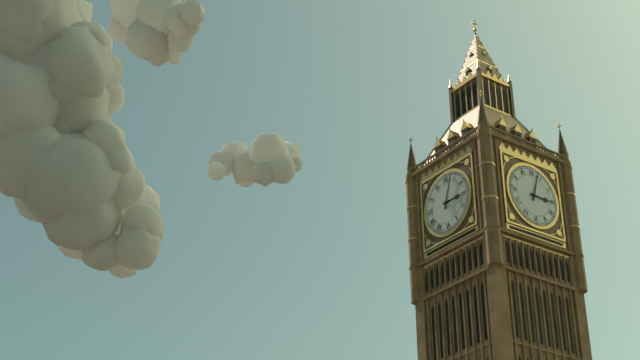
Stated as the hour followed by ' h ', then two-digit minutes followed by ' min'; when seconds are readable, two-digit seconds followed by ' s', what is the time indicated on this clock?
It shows 3 h 03 min
